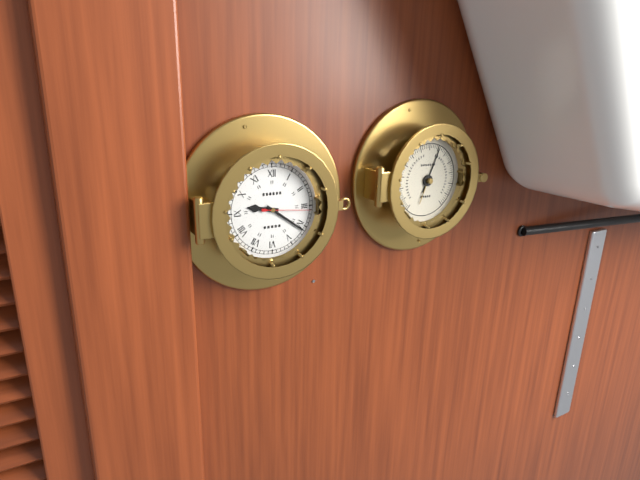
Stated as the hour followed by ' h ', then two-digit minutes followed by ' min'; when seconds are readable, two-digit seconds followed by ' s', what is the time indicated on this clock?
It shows 9 h 21 min
